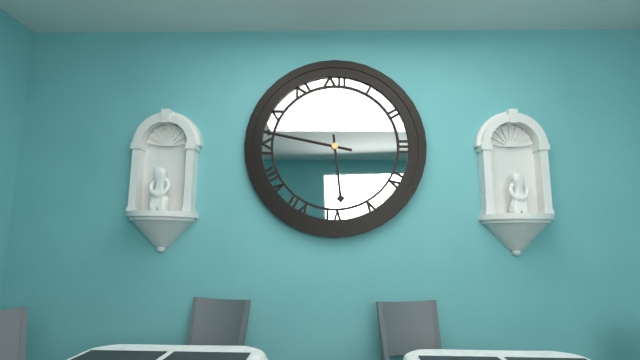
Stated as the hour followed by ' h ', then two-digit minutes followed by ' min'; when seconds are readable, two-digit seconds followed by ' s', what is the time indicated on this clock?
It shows 5 h 47 min
